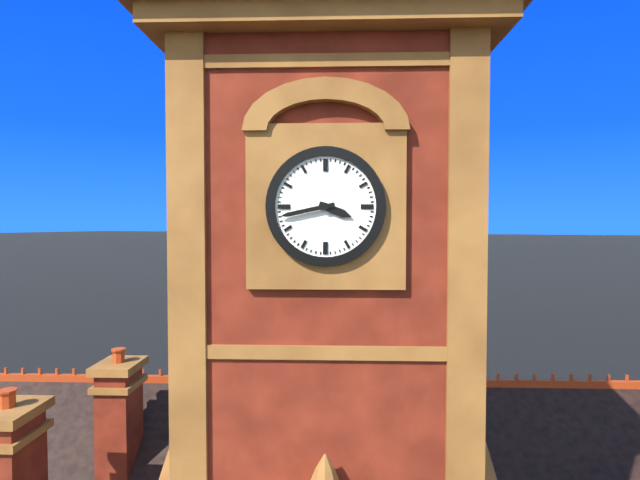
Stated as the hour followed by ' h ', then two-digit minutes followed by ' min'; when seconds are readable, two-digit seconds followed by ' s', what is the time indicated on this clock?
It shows 3 h 43 min
